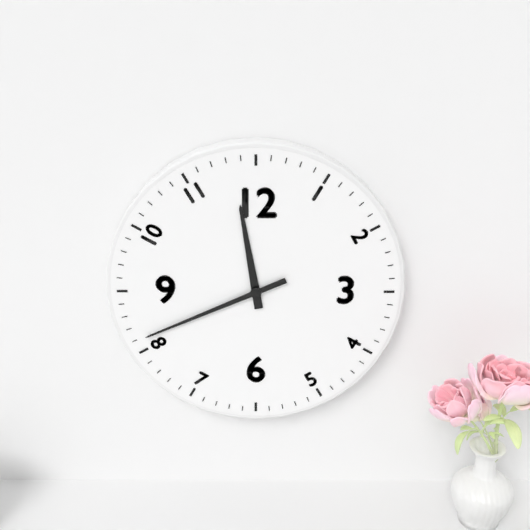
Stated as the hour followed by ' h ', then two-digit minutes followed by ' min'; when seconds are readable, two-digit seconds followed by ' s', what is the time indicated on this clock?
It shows 11 h 41 min
